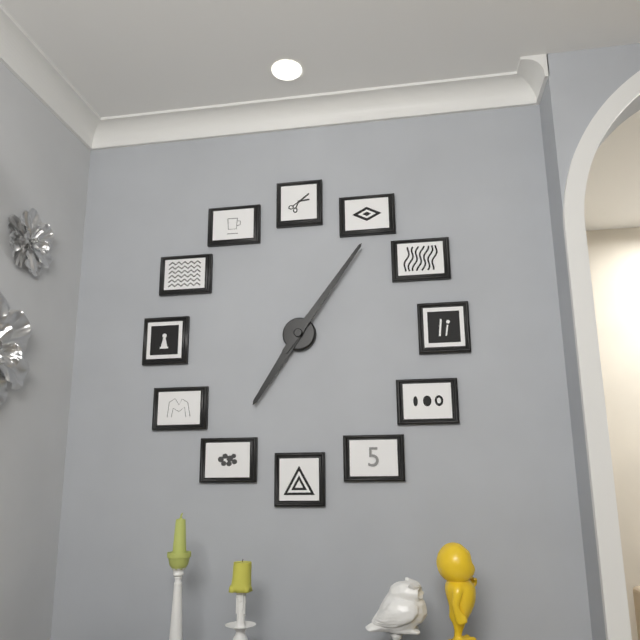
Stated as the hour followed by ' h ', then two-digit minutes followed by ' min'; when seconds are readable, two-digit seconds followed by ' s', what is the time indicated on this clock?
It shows 7 h 06 min
